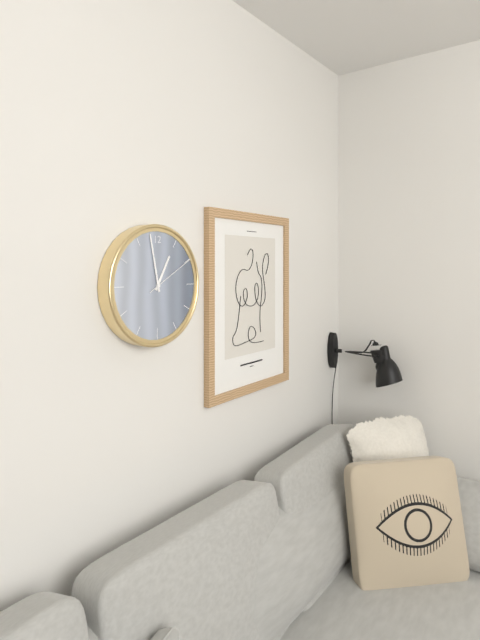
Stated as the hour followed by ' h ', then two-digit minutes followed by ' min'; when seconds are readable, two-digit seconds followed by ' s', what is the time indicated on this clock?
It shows 12 h 58 min 10 s
